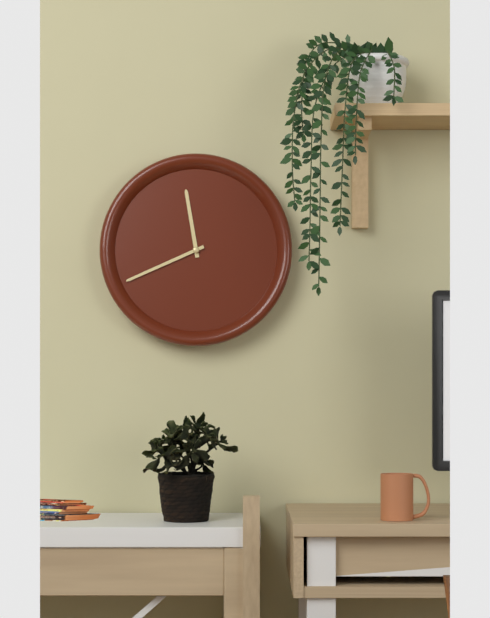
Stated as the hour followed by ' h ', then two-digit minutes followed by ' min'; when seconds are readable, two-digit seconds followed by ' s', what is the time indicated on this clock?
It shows 11 h 41 min
